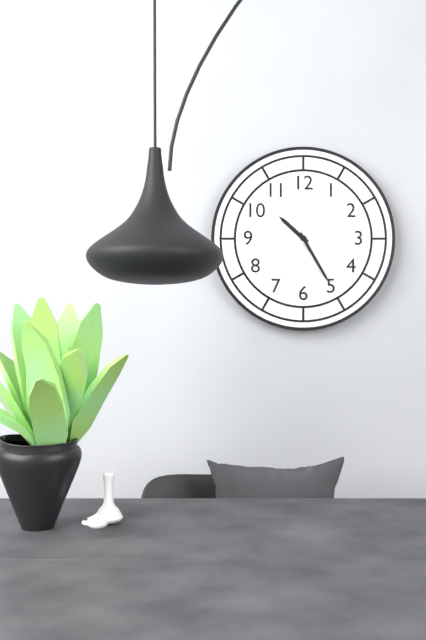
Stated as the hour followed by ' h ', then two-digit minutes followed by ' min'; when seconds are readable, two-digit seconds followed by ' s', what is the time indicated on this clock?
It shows 10 h 25 min 30 s
